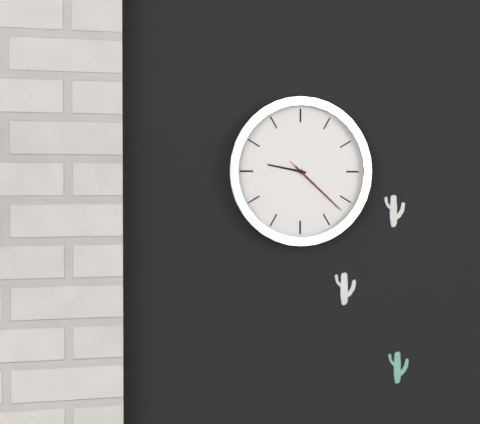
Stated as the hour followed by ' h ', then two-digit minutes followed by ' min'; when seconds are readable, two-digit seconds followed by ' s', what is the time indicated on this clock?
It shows 9 h 22 min 22 s
